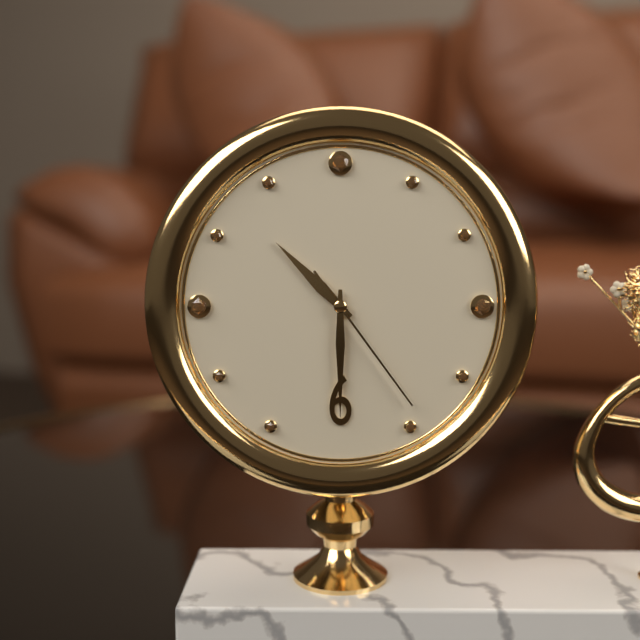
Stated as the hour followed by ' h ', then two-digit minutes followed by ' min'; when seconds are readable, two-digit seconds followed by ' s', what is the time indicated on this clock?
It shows 10 h 30 min 24 s
